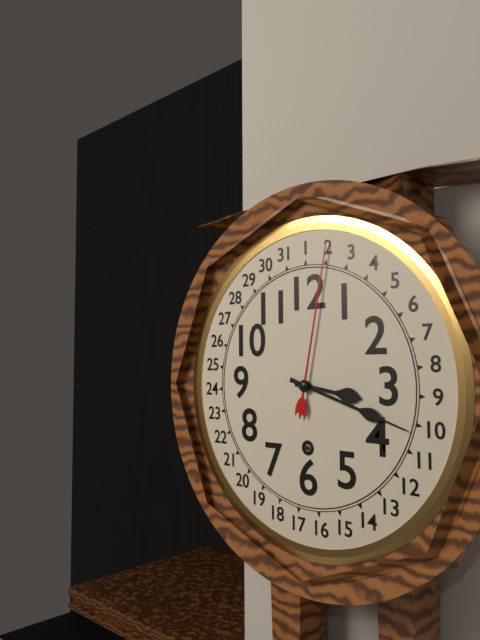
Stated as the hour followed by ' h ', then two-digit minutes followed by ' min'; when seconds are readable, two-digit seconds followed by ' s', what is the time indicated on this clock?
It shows 3 h 18 min
